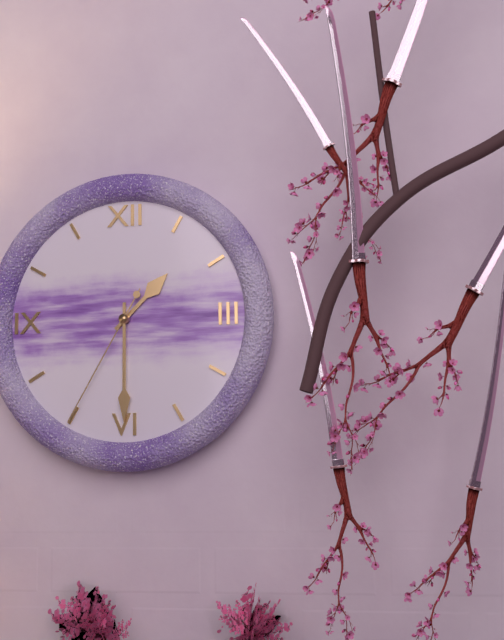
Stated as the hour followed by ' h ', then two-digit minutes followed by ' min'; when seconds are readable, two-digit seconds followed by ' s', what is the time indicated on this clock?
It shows 1 h 30 min 35 s
